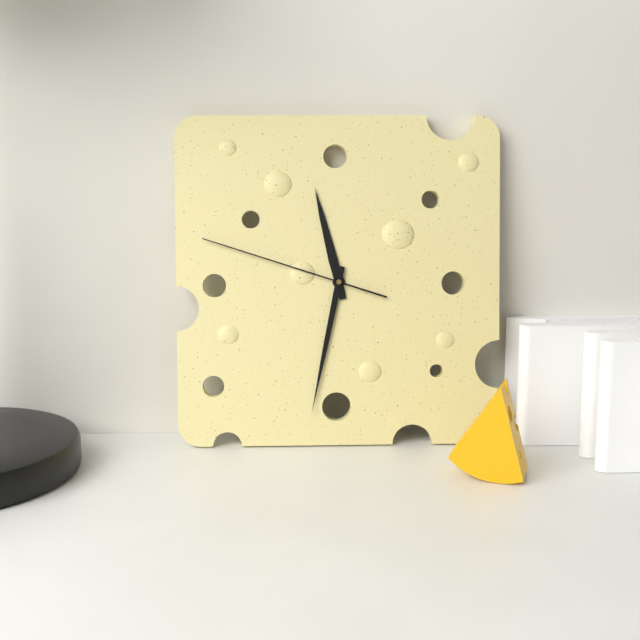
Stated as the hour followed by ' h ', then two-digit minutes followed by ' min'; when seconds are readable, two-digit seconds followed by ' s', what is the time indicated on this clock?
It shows 11 h 32 min 48 s
